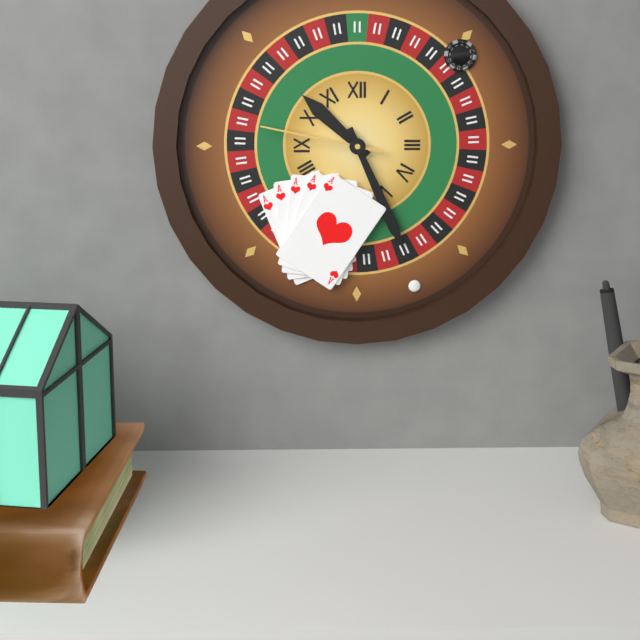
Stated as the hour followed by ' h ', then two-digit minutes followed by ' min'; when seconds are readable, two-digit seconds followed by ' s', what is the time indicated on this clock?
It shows 10 h 26 min 47 s
